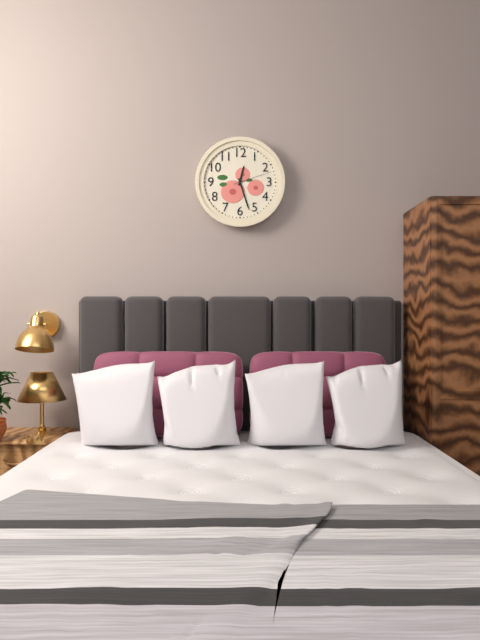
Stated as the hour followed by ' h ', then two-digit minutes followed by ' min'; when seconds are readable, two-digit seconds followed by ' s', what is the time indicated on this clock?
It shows 12 h 27 min
